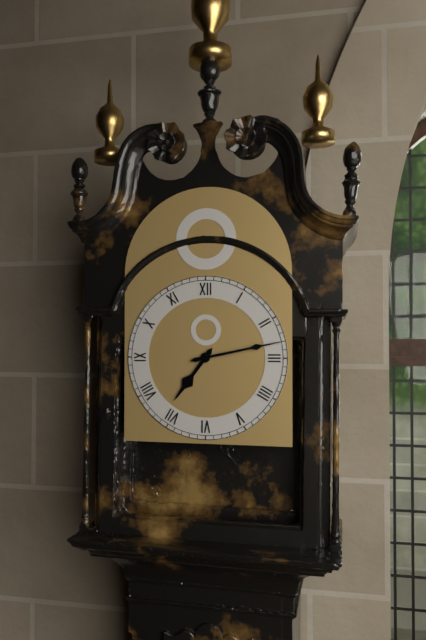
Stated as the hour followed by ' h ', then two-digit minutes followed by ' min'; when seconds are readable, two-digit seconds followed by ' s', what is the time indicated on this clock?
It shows 7 h 13 min
